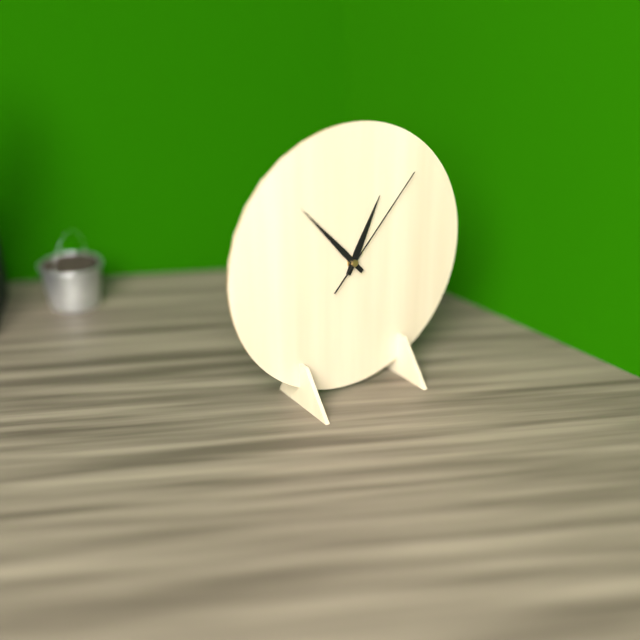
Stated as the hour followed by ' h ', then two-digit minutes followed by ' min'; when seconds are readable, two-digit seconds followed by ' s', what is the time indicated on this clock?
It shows 12 h 53 min 07 s
